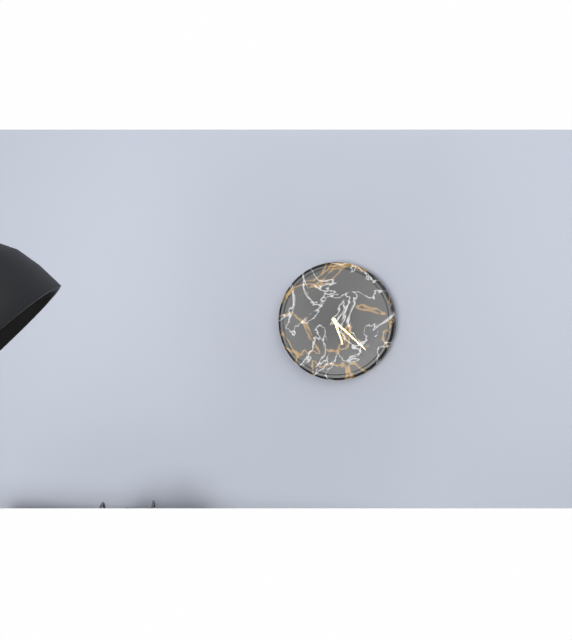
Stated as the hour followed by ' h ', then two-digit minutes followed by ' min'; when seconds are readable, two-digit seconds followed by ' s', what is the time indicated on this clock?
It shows 5 h 22 min
